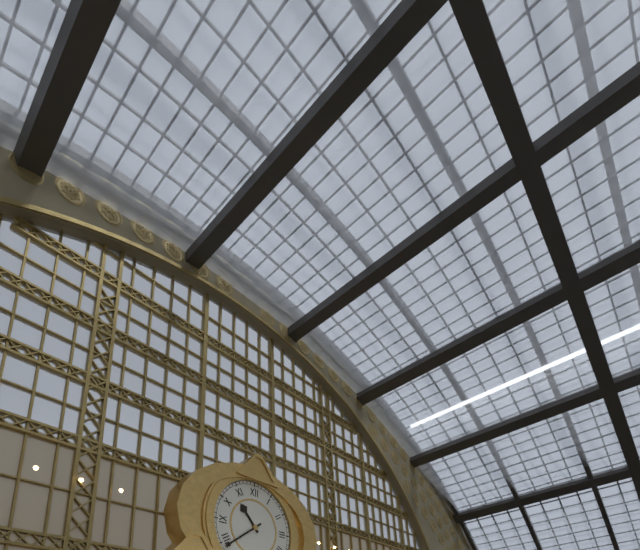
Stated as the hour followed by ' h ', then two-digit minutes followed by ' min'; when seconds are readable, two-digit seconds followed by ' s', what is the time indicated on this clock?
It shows 10 h 39 min
